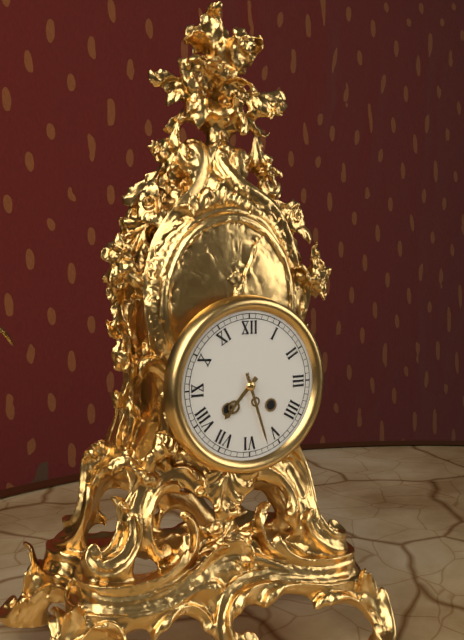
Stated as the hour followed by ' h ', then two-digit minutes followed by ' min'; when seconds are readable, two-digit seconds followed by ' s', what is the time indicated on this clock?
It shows 7 h 27 min
